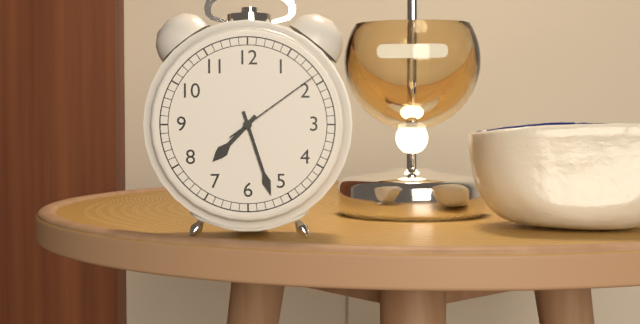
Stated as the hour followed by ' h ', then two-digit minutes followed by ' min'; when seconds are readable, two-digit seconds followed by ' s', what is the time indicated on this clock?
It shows 7 h 27 min 09 s
